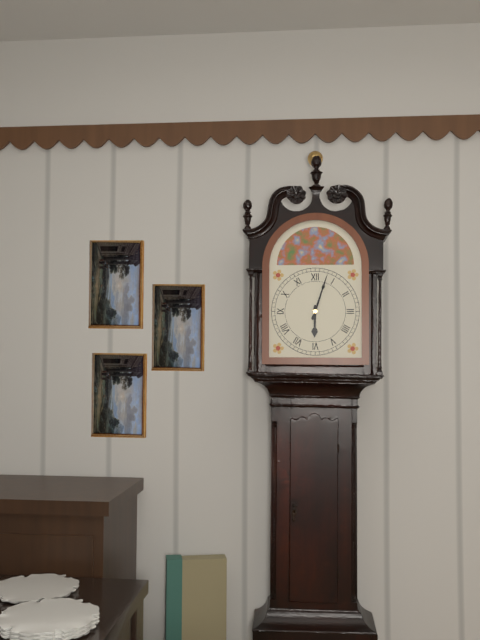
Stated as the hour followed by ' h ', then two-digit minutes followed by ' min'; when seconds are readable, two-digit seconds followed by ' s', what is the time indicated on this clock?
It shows 6 h 03 min
